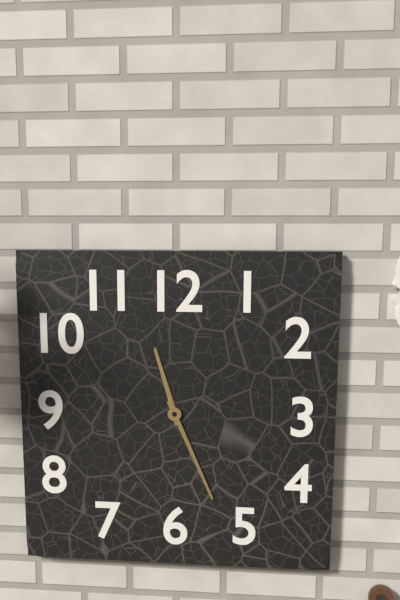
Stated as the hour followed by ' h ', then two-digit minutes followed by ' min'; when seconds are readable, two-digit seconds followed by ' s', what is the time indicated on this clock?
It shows 11 h 26 min
